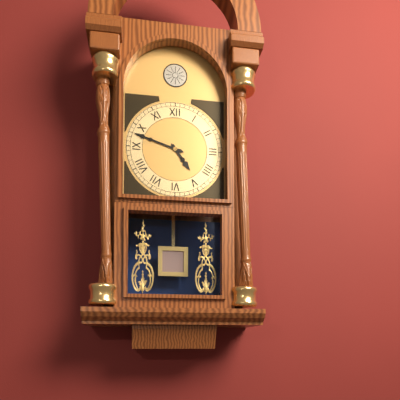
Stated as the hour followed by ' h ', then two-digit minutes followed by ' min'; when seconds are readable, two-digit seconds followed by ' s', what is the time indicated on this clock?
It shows 4 h 48 min
